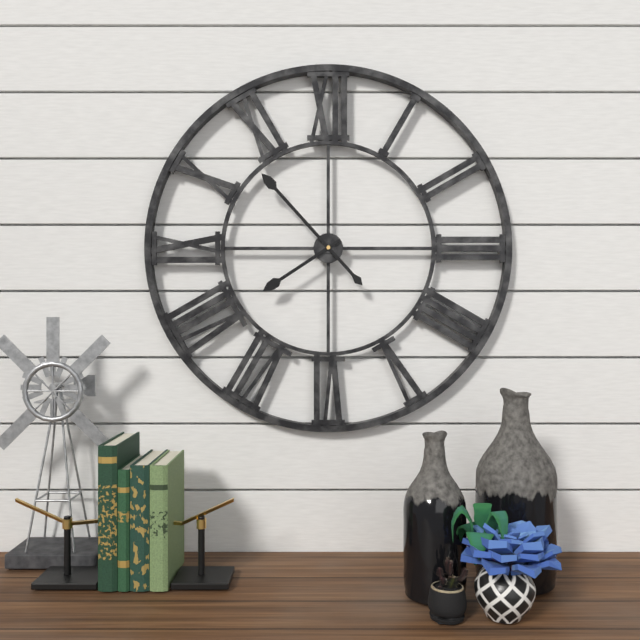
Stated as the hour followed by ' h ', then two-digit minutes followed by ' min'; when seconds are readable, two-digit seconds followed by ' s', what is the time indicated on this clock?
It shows 7 h 53 min
